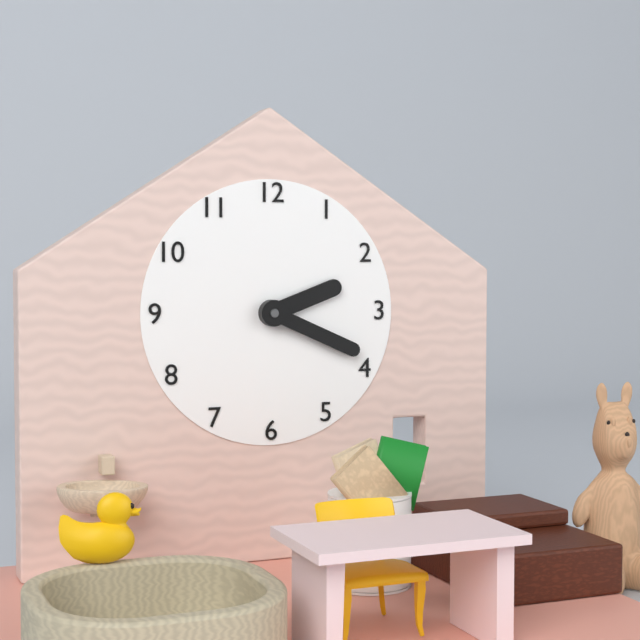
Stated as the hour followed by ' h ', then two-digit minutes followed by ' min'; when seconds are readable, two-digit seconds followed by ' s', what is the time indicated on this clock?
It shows 2 h 19 min
